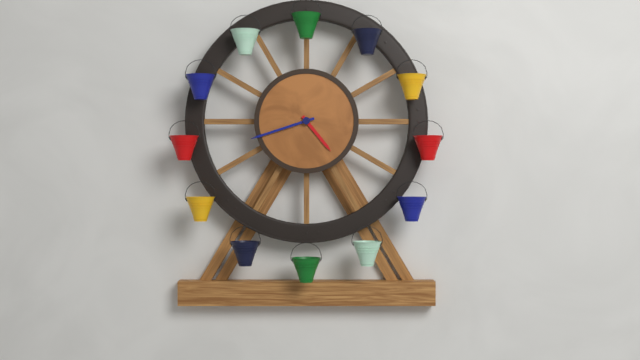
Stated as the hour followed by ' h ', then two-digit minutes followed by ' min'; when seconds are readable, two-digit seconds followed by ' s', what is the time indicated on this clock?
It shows 4 h 42 min
